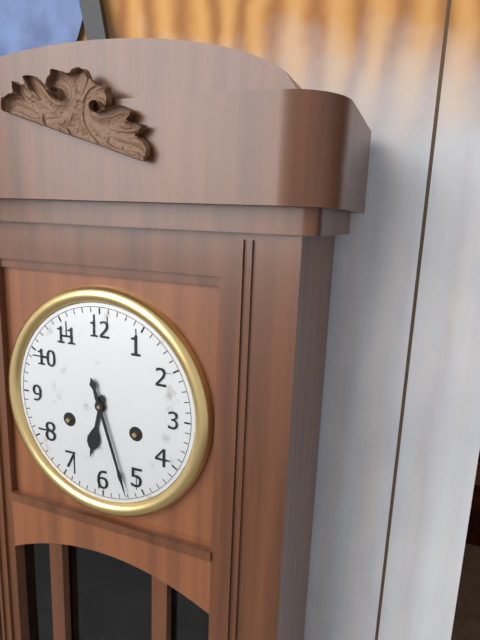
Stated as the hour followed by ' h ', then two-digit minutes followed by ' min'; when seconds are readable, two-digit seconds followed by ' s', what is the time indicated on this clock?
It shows 6 h 27 min
